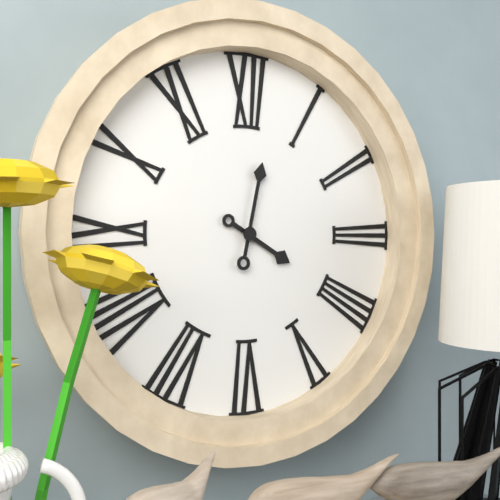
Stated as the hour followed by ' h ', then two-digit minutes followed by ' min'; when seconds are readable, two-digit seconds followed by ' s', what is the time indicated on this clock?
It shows 4 h 02 min
